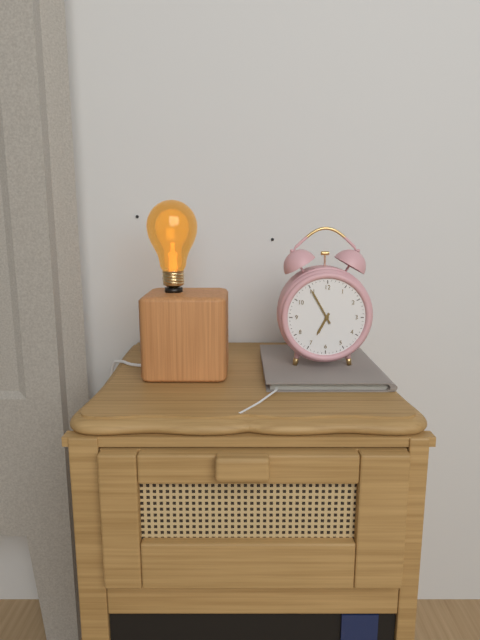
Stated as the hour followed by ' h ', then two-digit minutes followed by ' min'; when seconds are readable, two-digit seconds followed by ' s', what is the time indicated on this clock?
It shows 6 h 55 min
